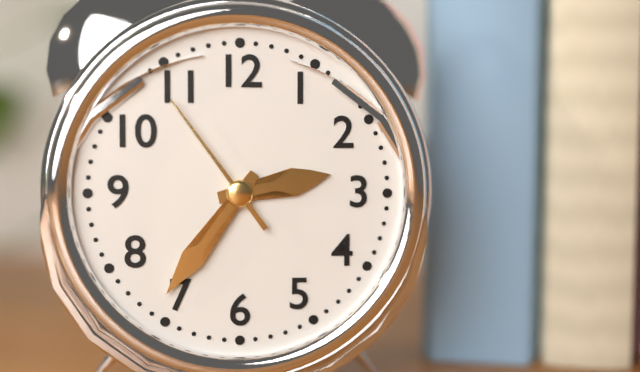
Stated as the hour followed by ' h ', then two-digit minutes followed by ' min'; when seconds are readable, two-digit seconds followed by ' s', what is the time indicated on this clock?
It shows 2 h 36 min 54 s
